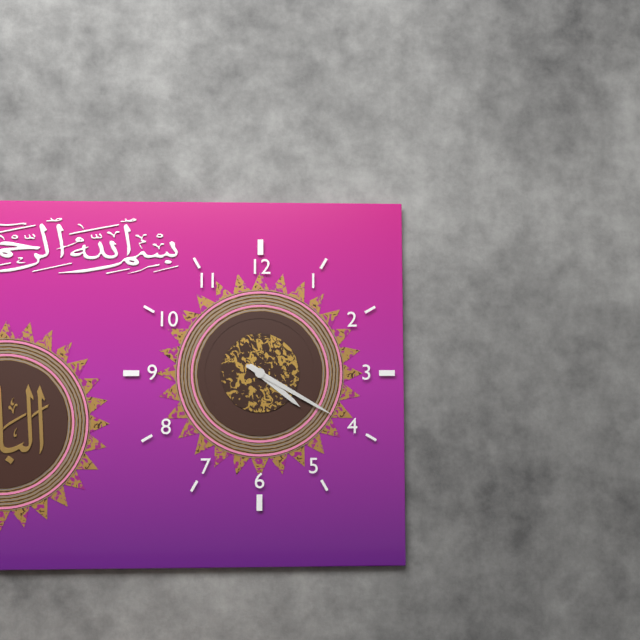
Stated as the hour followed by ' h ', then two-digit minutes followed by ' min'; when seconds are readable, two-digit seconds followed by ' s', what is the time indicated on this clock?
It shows 4 h 20 min
